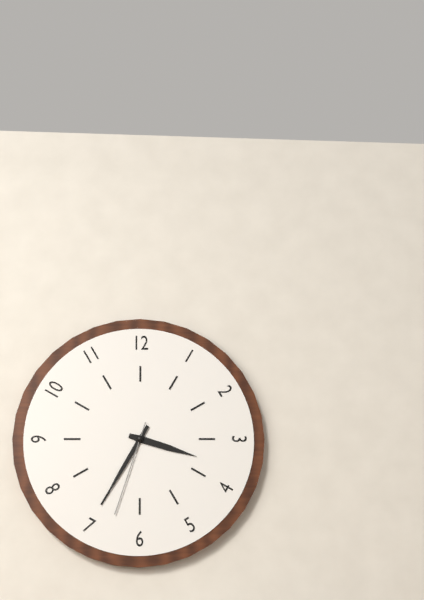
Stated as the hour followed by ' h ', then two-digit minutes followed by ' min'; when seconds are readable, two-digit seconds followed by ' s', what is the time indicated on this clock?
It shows 3 h 35 min 33 s
